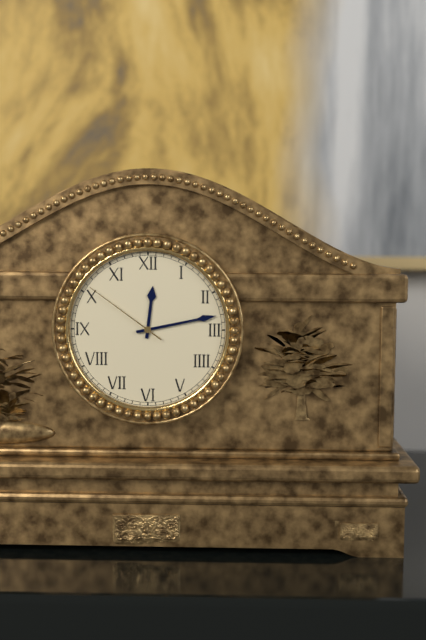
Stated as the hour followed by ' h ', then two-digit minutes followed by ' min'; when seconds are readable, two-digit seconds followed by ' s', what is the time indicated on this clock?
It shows 12 h 13 min 51 s
